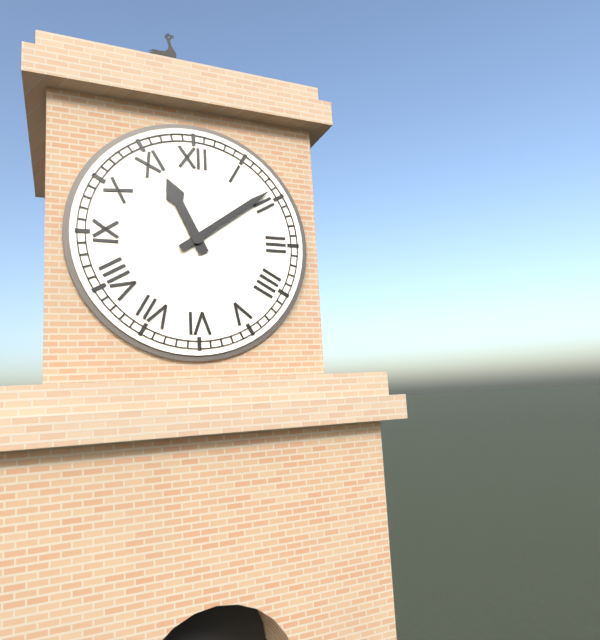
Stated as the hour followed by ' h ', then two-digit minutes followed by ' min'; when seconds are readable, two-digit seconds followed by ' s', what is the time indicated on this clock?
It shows 11 h 09 min
